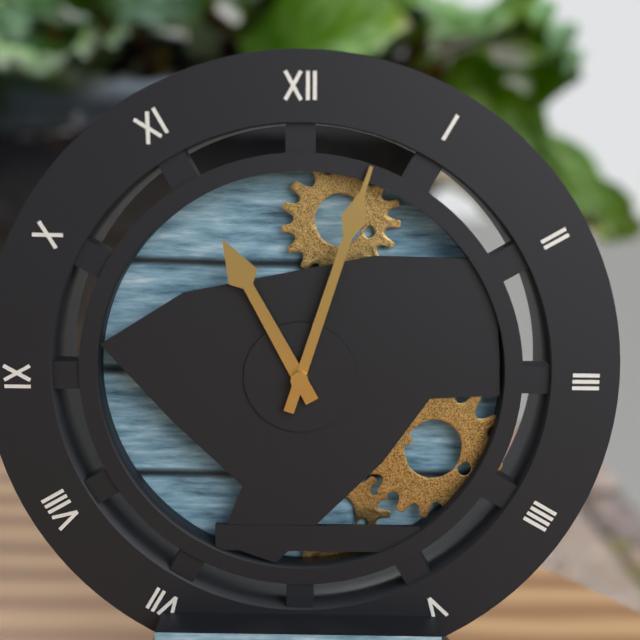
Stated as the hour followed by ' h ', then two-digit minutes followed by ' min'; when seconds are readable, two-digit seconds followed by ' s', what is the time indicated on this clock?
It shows 11 h 03 min
